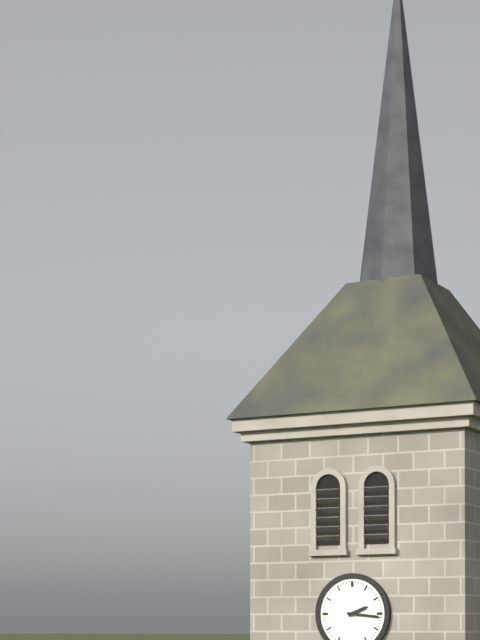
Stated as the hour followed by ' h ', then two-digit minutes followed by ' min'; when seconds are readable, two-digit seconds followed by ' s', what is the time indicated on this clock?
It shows 2 h 16 min
